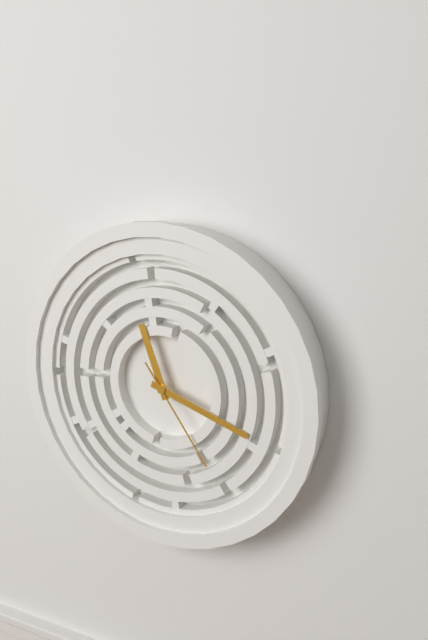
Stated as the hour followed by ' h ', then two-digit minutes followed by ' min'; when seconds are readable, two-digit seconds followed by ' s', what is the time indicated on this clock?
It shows 11 h 18 min 24 s
